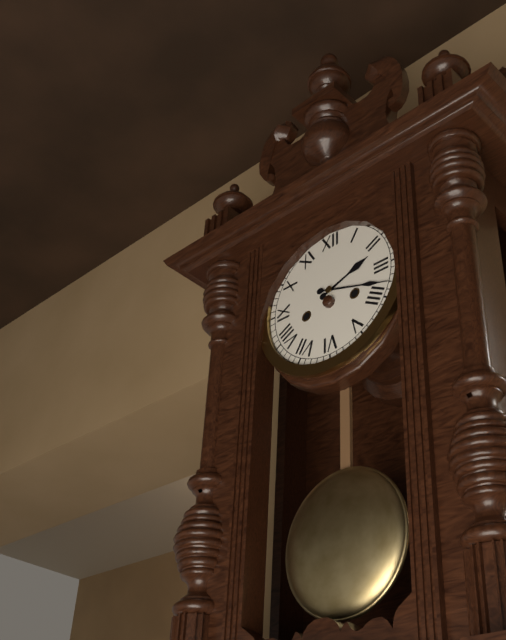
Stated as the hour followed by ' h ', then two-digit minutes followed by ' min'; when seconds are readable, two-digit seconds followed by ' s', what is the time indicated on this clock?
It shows 2 h 18 min
